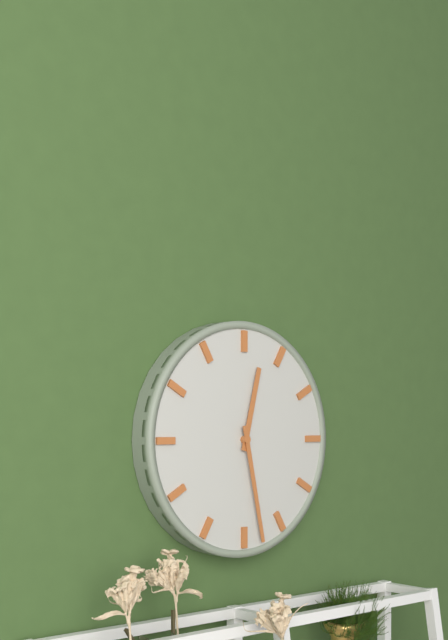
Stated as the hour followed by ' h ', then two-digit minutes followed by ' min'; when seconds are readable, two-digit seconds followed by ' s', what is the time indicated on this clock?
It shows 12 h 28 min
